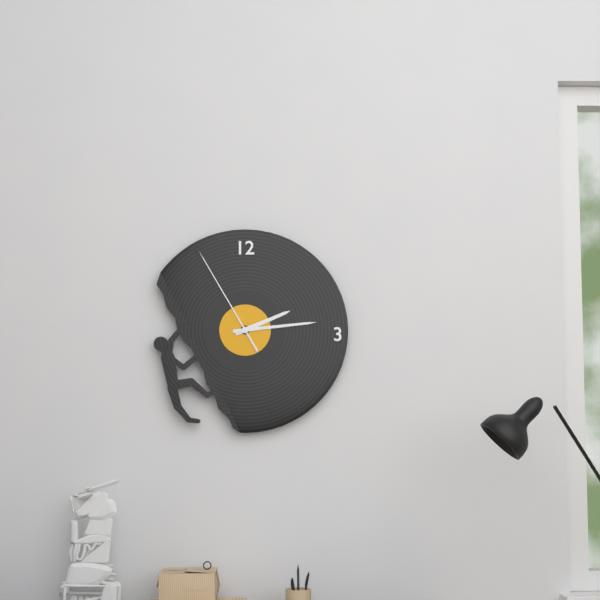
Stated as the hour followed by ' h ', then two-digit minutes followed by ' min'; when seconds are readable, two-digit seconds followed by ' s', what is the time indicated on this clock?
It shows 2 h 14 min 55 s
